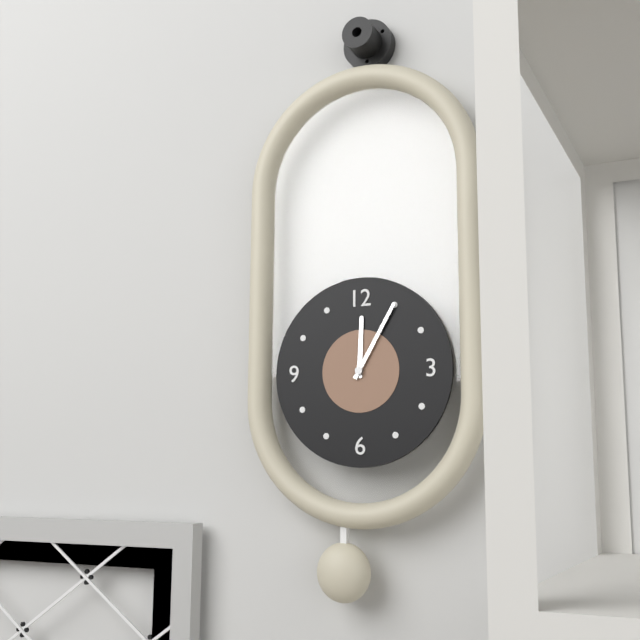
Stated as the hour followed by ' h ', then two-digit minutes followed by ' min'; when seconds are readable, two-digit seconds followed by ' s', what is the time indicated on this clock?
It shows 12 h 05 min
